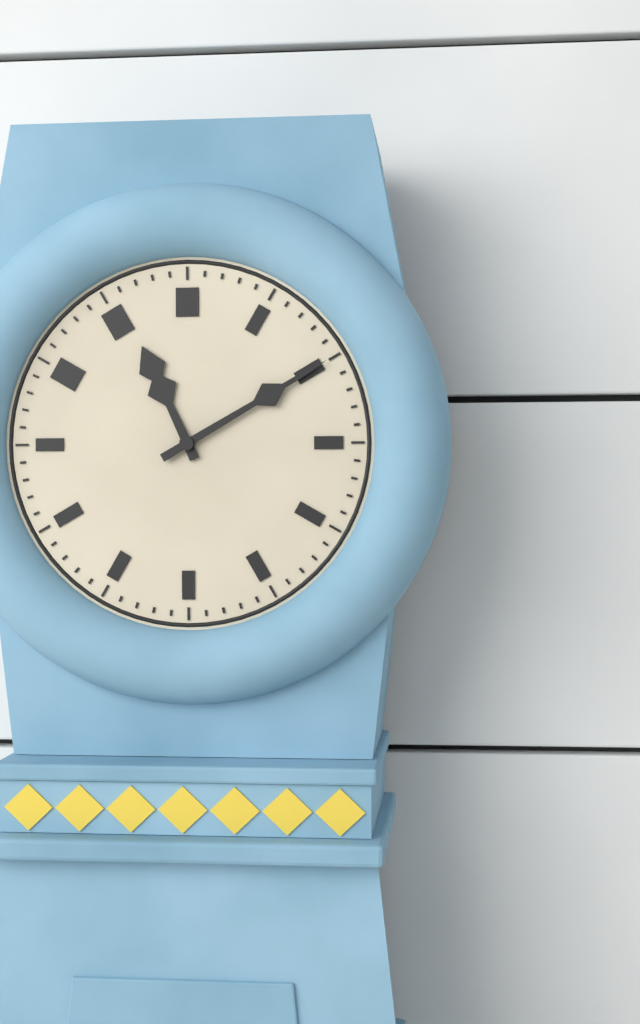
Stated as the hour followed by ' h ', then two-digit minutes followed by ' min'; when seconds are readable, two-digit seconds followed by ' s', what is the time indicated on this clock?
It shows 11 h 10 min
